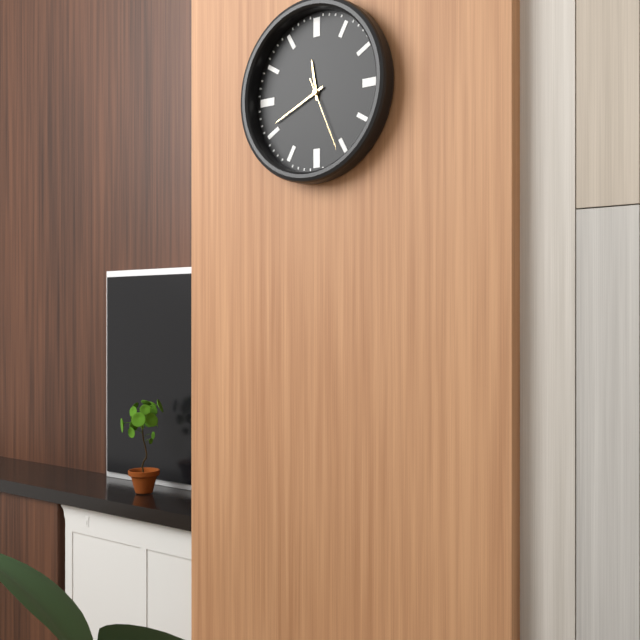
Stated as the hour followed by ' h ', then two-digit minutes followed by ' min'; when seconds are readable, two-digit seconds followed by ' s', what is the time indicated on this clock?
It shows 11 h 41 min 26 s
